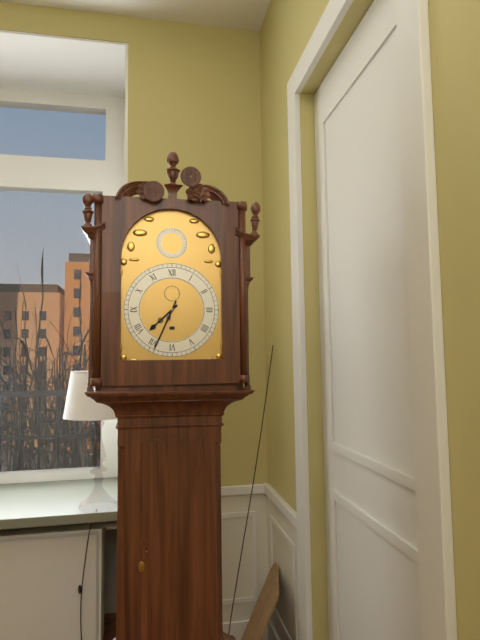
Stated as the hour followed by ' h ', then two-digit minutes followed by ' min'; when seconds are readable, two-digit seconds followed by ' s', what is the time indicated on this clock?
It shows 7 h 34 min
